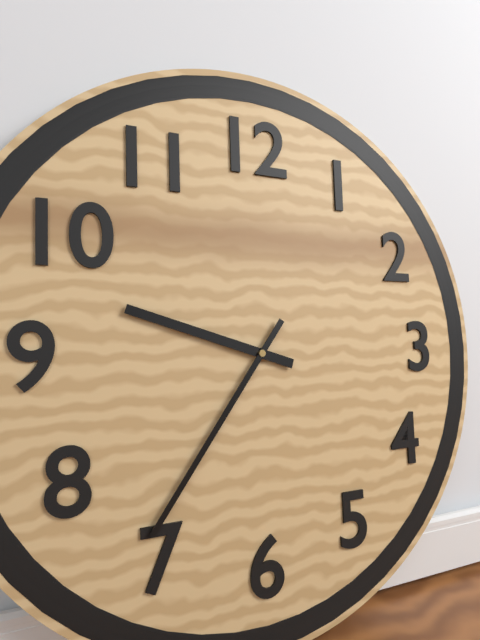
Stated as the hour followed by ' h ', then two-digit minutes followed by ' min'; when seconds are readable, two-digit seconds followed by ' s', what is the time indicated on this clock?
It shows 9 h 36 min
